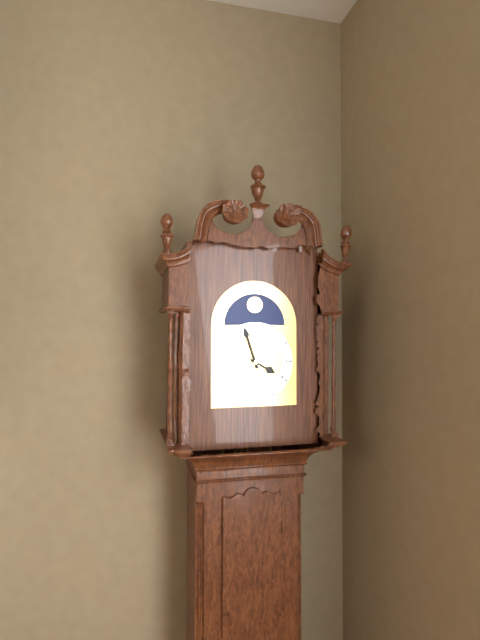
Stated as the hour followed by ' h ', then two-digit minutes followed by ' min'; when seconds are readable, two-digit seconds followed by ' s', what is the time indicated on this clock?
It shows 3 h 57 min
